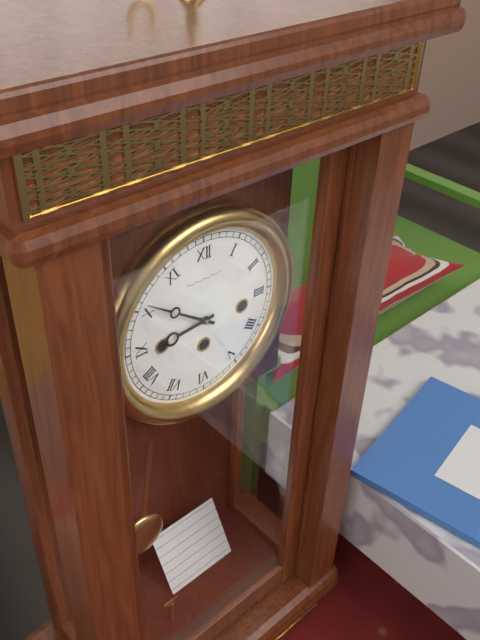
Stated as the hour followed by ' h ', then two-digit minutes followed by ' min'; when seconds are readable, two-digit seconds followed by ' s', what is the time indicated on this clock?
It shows 8 h 51 min
